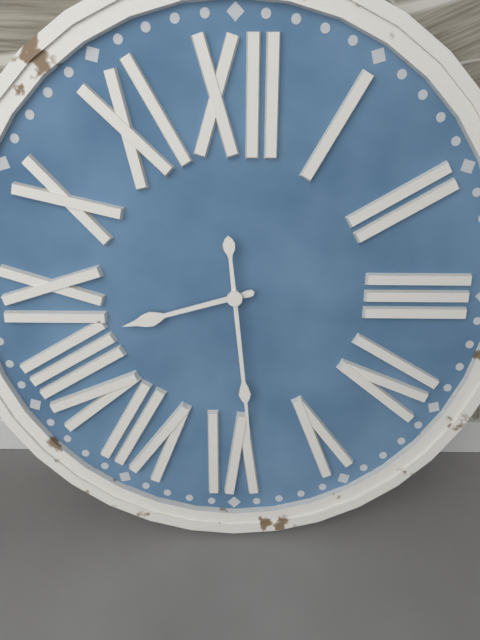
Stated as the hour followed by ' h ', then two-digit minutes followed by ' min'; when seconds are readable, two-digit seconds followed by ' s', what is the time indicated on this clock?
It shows 8 h 29 min
